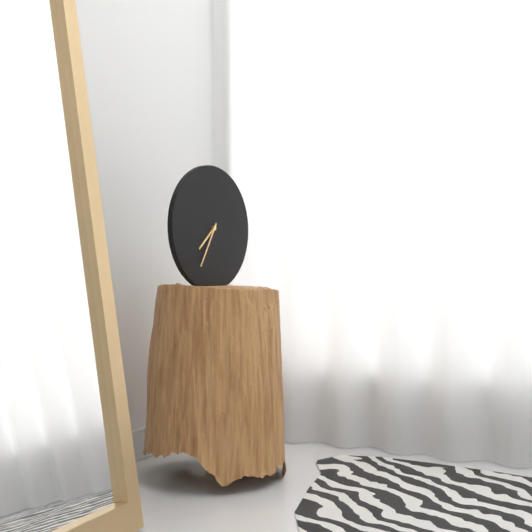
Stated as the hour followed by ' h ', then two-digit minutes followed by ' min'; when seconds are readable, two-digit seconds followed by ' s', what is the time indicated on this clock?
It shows 7 h 35 min
